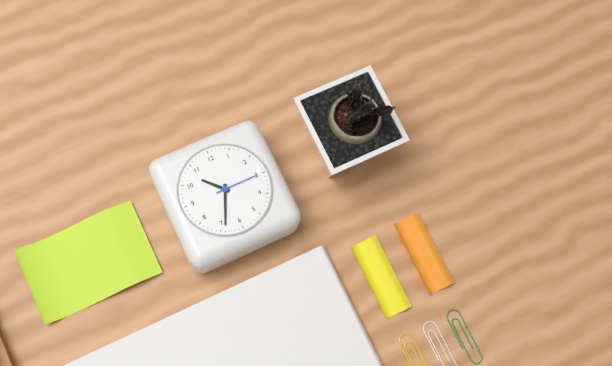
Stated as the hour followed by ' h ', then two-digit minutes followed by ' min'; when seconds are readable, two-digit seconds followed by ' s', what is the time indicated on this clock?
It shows 10 h 34 min
